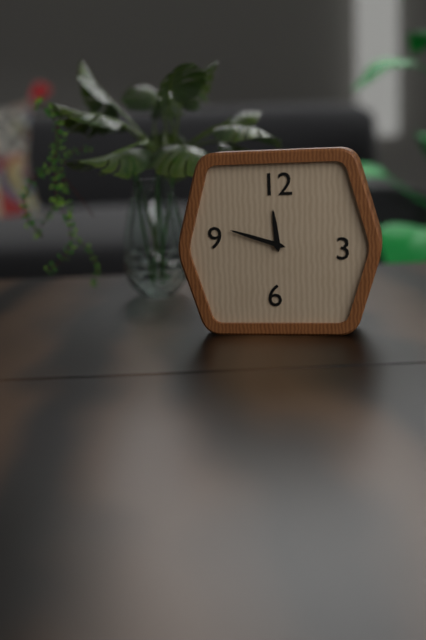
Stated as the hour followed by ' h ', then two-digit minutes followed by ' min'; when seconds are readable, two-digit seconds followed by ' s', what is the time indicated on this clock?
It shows 11 h 48 min
